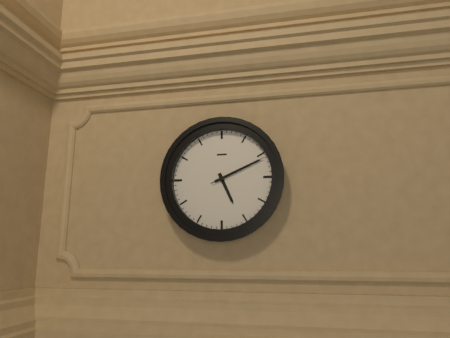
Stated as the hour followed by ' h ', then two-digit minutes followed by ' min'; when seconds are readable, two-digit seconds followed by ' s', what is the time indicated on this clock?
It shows 5 h 11 min 11 s
